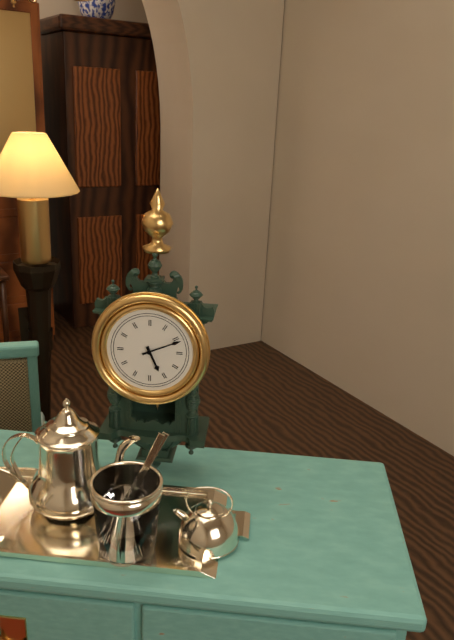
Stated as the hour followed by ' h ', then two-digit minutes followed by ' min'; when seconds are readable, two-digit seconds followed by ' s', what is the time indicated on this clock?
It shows 5 h 11 min
